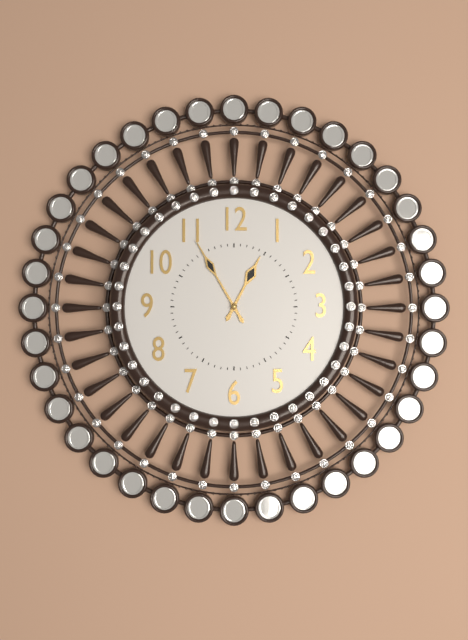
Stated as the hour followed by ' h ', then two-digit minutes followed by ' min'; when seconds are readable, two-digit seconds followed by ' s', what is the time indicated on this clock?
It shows 12 h 55 min
